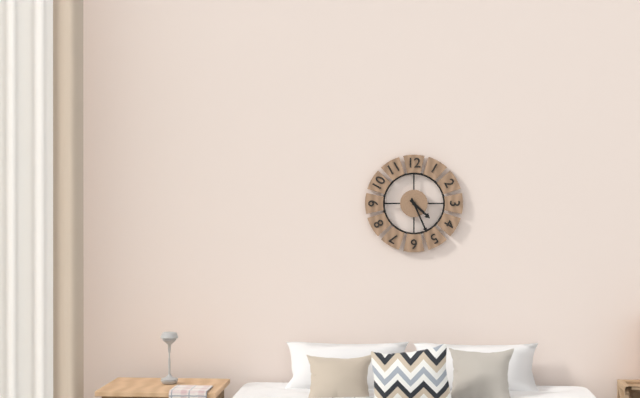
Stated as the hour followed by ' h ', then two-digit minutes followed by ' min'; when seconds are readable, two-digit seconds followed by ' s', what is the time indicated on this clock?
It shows 4 h 26 min
